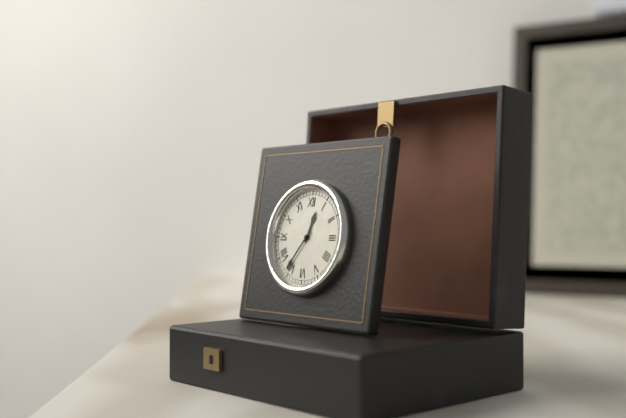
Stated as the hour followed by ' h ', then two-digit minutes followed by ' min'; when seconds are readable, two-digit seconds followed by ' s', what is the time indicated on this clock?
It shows 12 h 36 min
